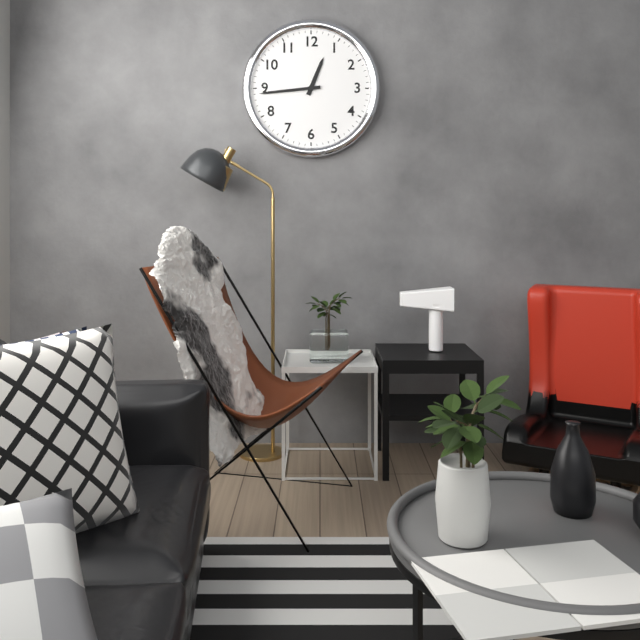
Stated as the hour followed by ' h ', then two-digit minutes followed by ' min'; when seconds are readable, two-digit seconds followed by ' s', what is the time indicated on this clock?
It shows 12 h 44 min
